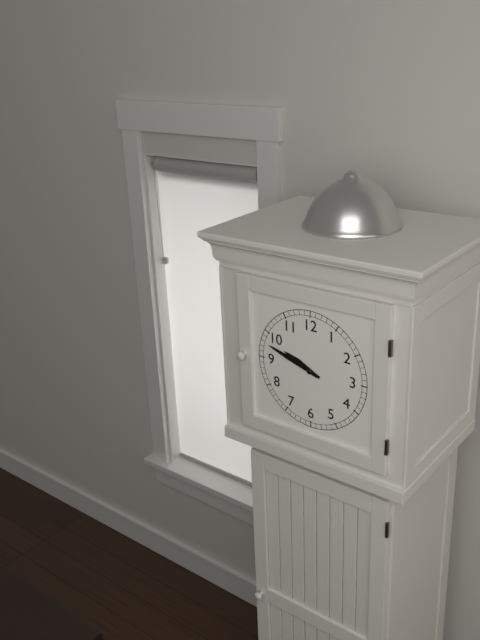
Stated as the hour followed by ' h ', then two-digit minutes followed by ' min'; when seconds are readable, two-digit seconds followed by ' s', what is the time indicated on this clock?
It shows 9 h 48 min
